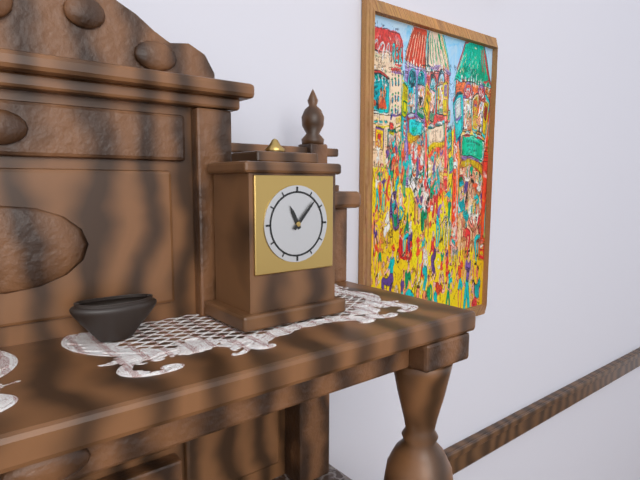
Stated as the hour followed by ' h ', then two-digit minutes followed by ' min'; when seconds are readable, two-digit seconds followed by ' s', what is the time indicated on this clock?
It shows 11 h 07 min
